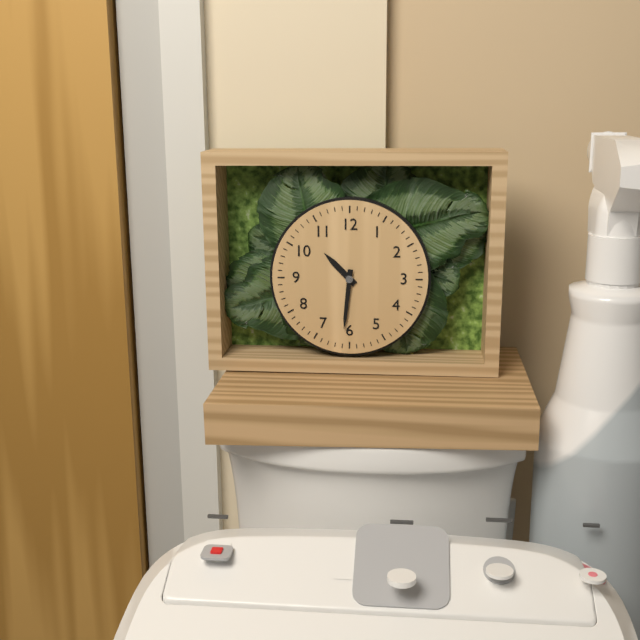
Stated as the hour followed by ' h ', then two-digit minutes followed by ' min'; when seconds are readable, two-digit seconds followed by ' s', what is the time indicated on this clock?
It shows 10 h 31 min
